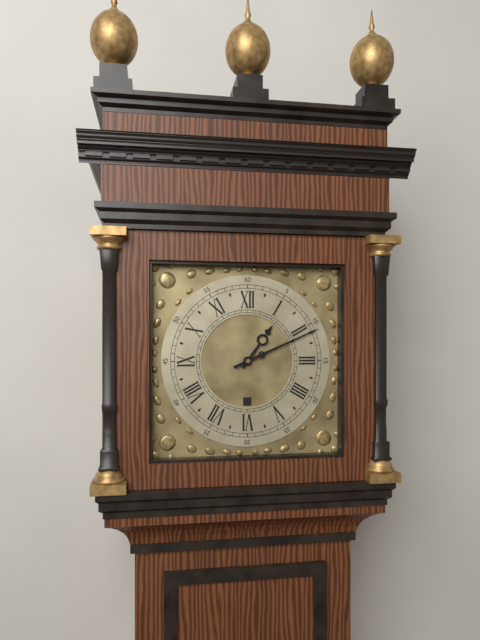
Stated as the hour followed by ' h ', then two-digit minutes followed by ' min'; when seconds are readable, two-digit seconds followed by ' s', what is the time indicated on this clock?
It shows 1 h 11 min
